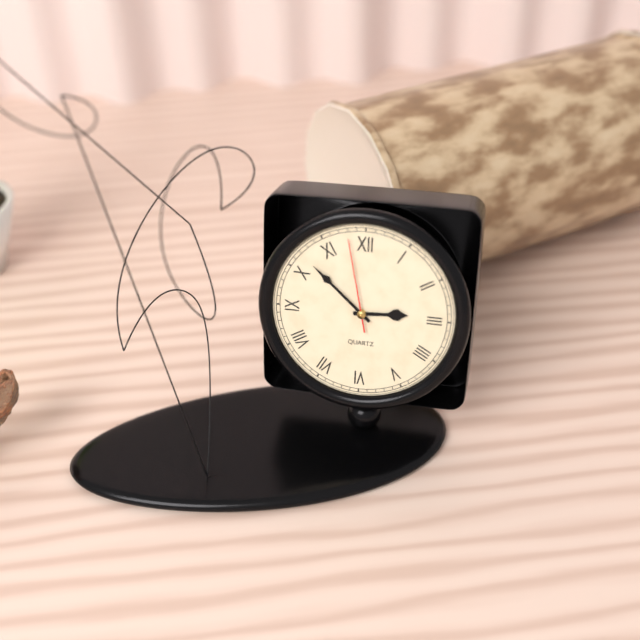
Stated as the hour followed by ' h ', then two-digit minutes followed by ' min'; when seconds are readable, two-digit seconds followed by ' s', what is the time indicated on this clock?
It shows 2 h 52 min 58 s
